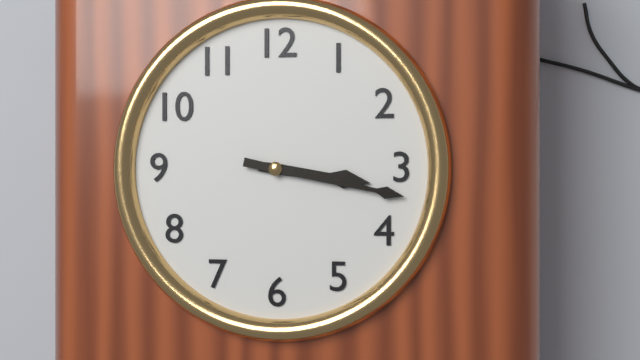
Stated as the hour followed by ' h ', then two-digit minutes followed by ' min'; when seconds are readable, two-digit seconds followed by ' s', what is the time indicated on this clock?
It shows 3 h 17 min
